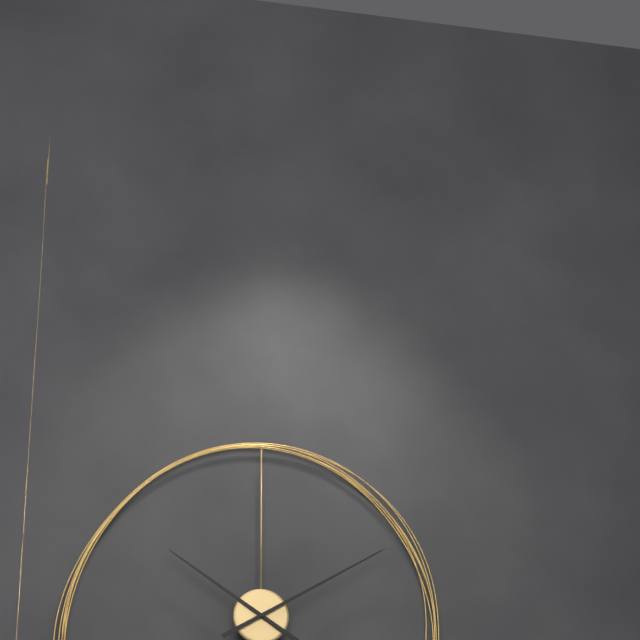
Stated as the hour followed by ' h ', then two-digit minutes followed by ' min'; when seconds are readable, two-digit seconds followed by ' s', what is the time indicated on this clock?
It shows 10 h 10 min
